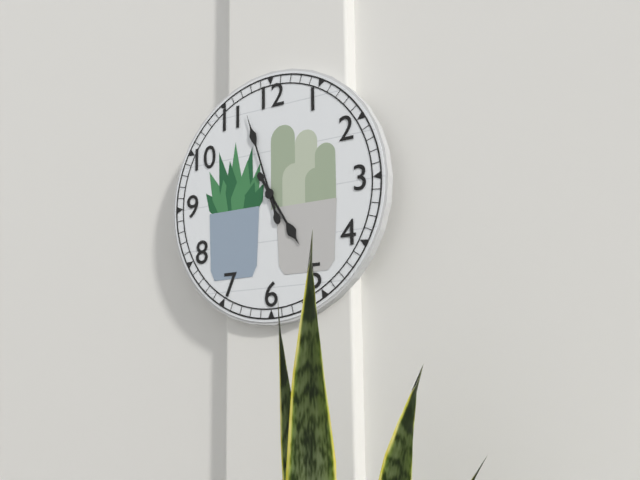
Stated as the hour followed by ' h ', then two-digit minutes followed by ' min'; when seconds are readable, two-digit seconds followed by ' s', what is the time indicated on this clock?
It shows 4 h 57 min
